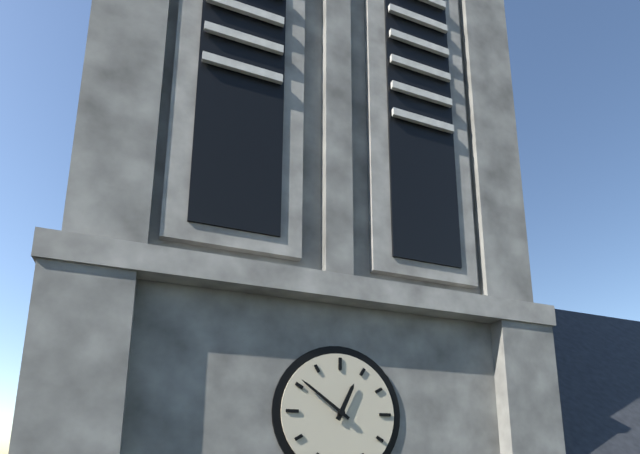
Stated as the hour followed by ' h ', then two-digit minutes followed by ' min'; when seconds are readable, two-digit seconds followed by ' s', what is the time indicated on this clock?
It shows 12 h 51 min
